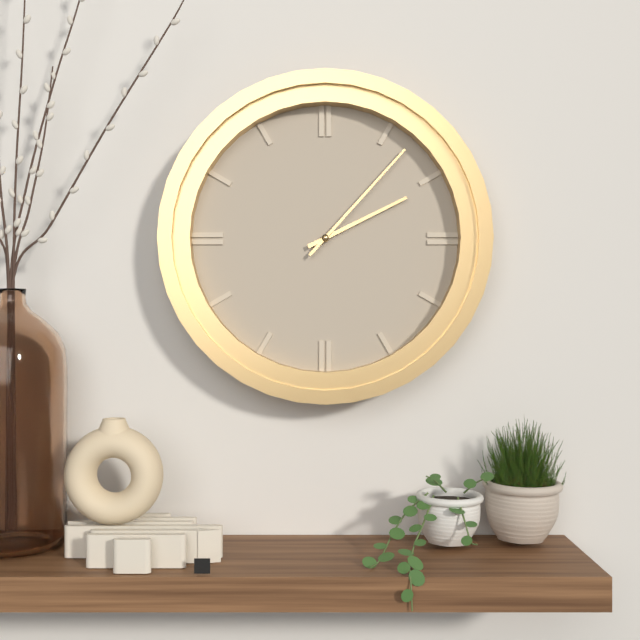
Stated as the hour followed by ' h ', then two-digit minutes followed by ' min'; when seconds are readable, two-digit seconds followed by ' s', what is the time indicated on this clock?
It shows 2 h 07 min
